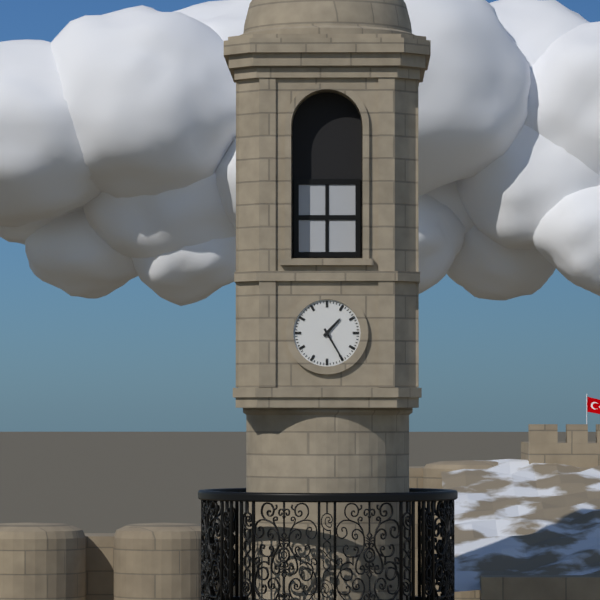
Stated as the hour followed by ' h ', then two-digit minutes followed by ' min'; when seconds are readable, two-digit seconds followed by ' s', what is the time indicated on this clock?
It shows 1 h 25 min
